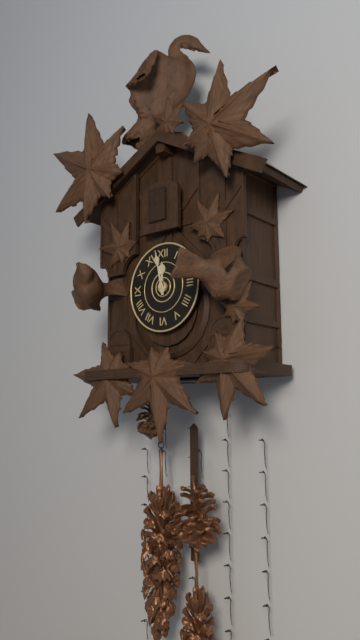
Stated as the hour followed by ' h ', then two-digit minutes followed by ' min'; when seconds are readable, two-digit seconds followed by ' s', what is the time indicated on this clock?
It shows 11 h 58 min
